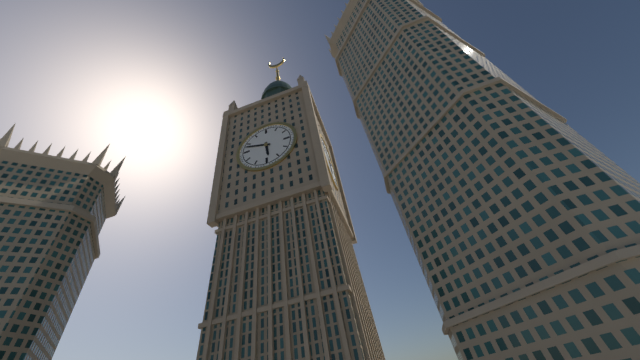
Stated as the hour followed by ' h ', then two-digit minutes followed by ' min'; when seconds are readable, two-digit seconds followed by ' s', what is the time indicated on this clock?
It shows 5 h 48 min
